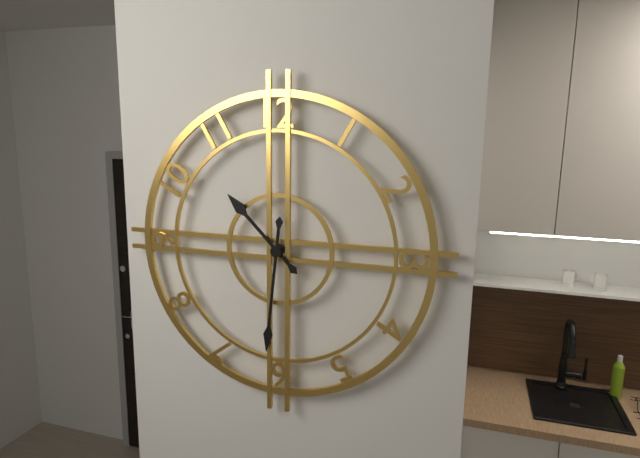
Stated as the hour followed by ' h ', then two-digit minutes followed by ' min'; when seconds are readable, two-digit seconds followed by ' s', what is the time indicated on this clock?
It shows 10 h 31 min
